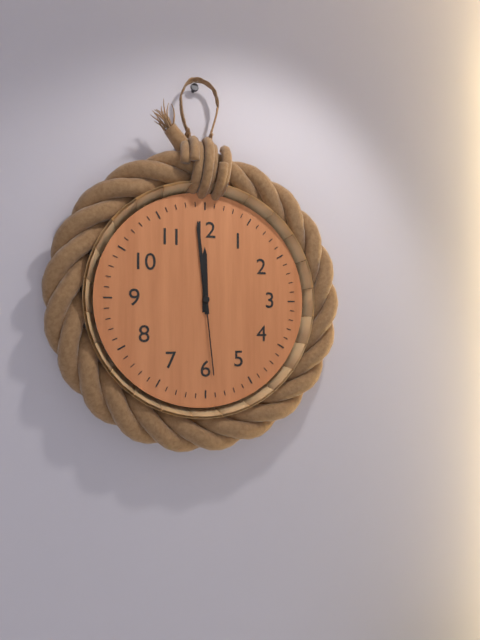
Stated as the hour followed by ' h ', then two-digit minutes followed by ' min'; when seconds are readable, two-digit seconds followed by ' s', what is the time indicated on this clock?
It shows 11 h 59 min 29 s
